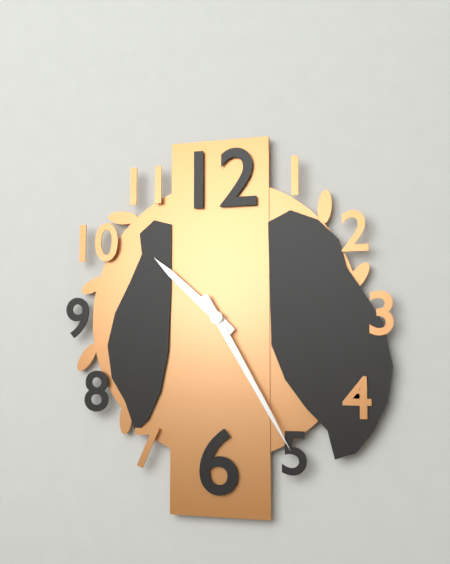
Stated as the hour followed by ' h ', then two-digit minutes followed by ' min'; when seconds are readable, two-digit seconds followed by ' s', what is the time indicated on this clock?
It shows 10 h 25 min
